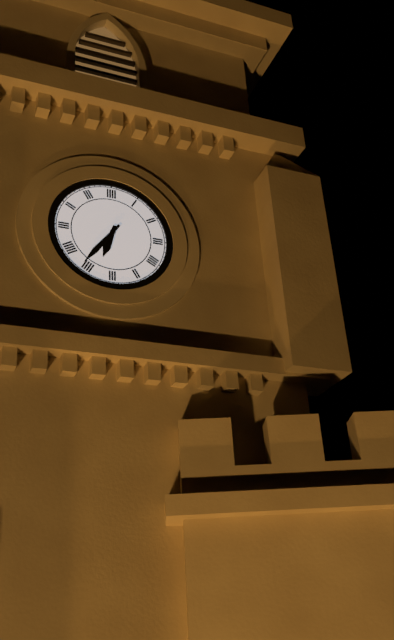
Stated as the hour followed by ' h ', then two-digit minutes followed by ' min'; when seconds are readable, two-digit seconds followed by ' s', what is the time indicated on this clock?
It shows 6 h 36 min
